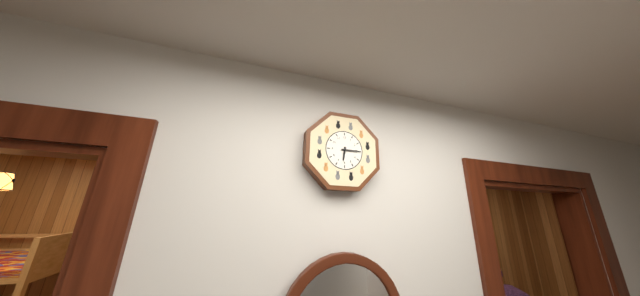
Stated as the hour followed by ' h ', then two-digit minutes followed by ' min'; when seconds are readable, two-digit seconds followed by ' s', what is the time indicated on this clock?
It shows 6 h 15 min
